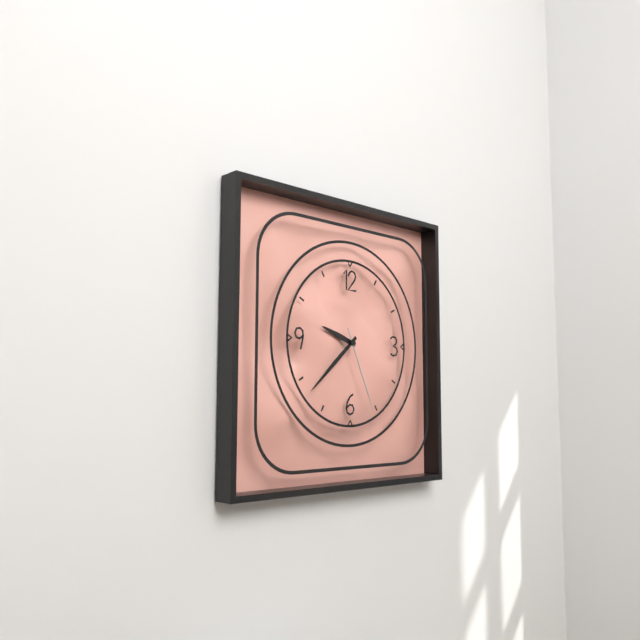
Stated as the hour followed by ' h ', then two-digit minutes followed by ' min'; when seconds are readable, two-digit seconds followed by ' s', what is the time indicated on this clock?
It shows 9 h 38 min 26 s
